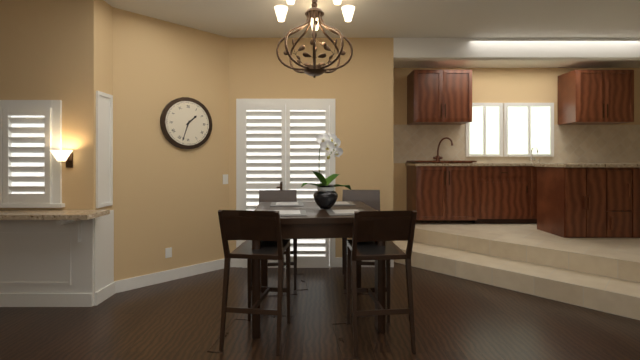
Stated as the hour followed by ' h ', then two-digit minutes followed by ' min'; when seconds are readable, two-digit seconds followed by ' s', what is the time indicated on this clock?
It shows 1 h 33 min
